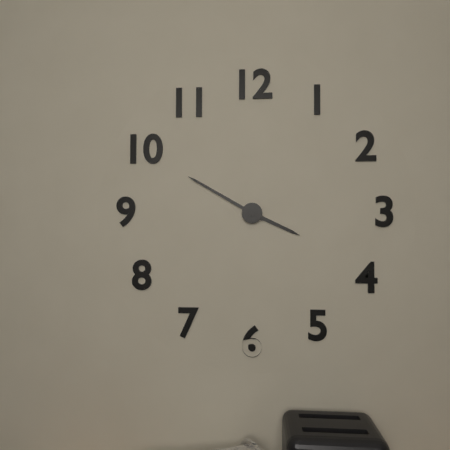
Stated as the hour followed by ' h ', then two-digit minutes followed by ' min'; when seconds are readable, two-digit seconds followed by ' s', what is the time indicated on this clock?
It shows 3 h 50 min
